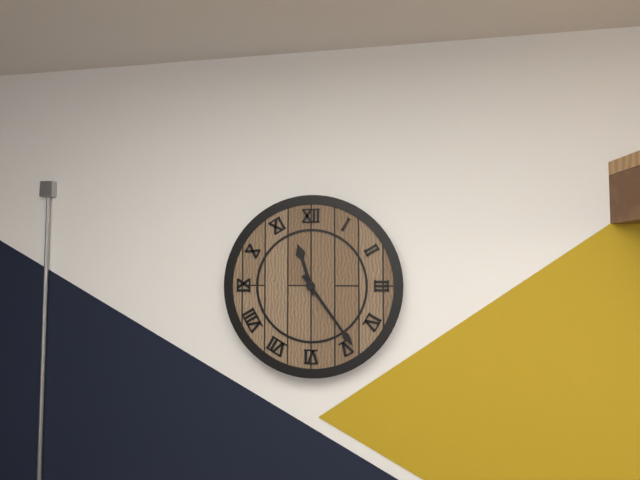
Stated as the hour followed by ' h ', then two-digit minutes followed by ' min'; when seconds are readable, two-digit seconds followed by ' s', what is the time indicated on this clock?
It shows 11 h 24 min
